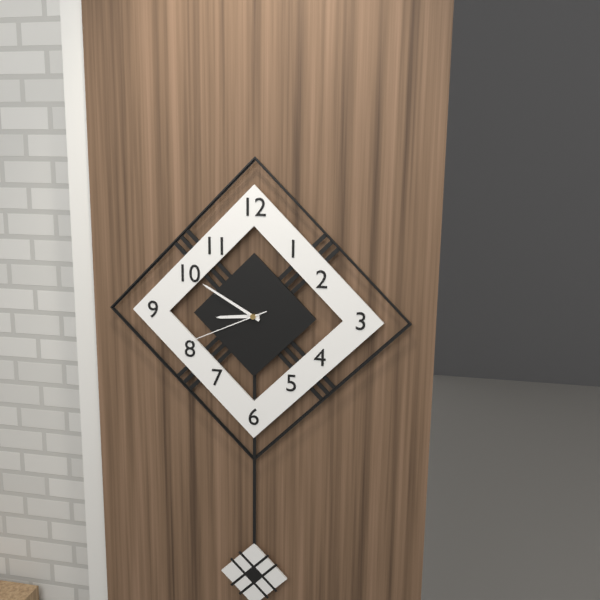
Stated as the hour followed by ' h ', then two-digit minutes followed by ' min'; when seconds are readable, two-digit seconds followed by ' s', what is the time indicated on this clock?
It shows 8 h 50 min 41 s
